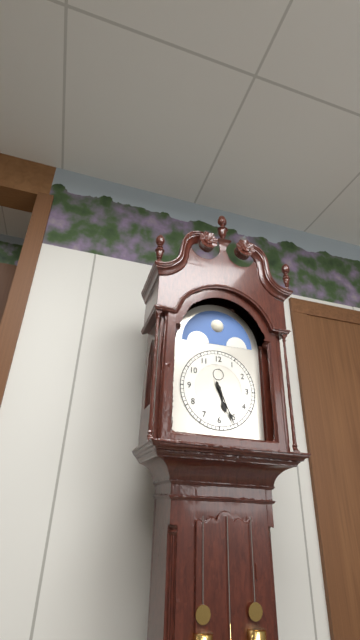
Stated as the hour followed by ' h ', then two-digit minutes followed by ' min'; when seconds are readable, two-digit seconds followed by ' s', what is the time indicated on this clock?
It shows 5 h 26 min
